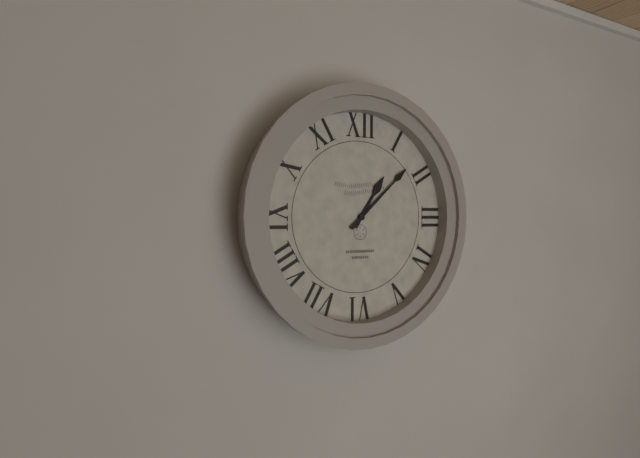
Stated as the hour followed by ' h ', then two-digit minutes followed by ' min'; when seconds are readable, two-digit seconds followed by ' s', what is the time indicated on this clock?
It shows 1 h 08 min
